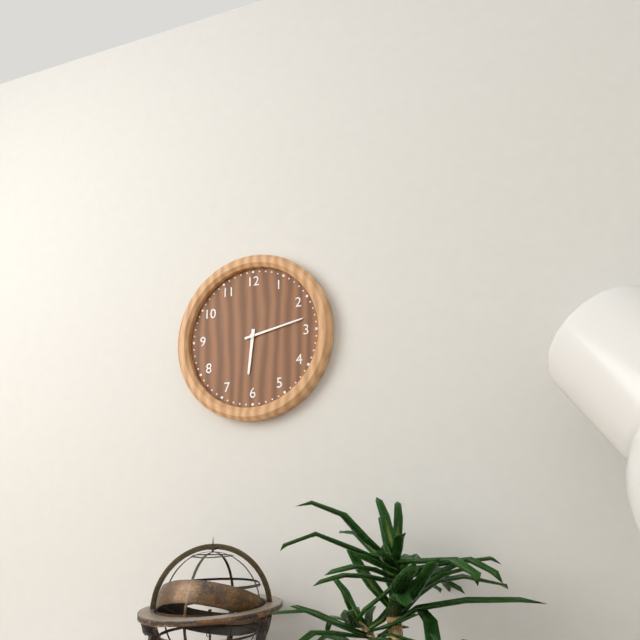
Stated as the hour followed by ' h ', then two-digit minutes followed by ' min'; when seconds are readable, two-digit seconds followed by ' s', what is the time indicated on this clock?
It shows 6 h 13 min
